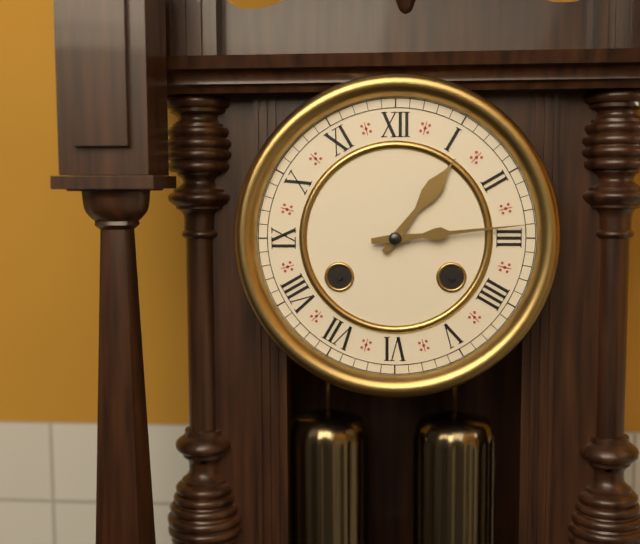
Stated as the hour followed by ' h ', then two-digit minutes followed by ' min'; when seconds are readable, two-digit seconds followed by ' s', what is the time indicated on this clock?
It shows 1 h 14 min
